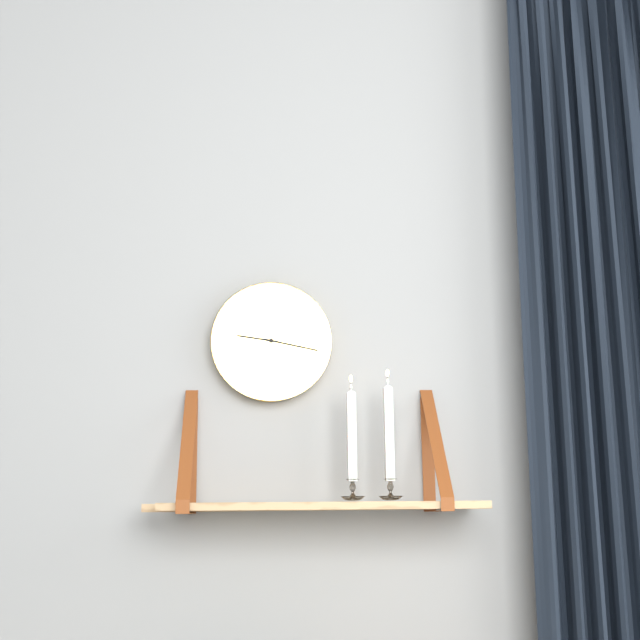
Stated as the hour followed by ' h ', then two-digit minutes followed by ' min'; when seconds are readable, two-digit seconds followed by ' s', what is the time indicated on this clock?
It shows 9 h 17 min
